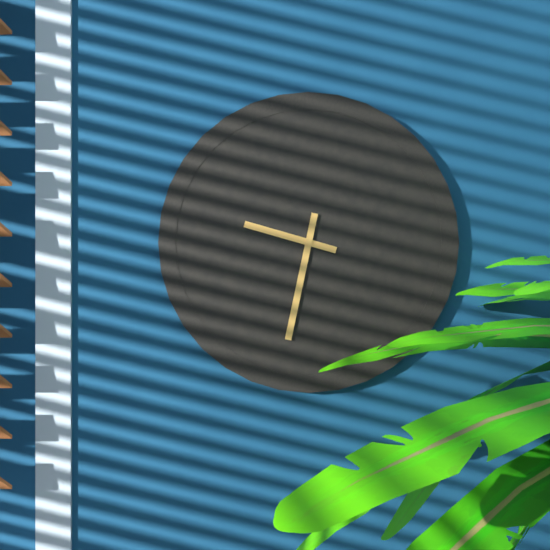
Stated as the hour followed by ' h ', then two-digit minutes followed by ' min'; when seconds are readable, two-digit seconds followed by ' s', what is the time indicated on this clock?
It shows 9 h 32 min
